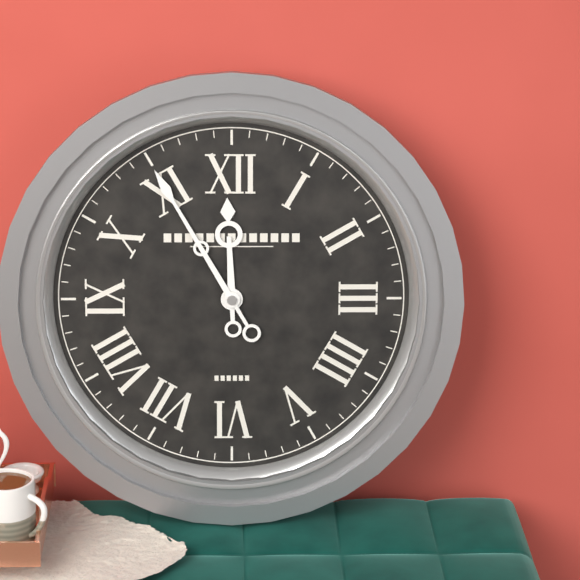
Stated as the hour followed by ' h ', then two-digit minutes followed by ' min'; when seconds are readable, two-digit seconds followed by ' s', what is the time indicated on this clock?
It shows 11 h 55 min
